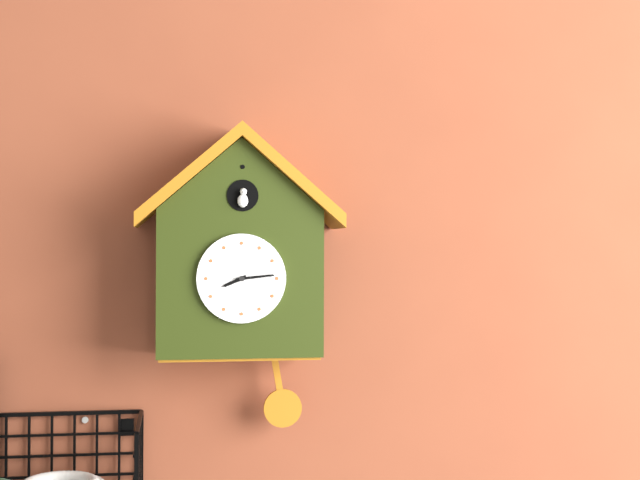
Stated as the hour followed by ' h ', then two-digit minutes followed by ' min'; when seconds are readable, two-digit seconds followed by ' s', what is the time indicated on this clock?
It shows 8 h 14 min
